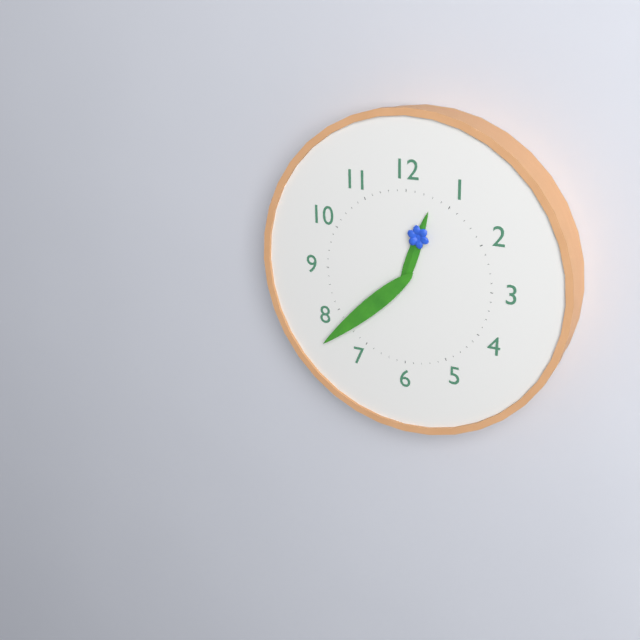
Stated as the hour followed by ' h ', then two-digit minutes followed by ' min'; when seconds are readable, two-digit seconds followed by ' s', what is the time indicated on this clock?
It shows 12 h 38 min
